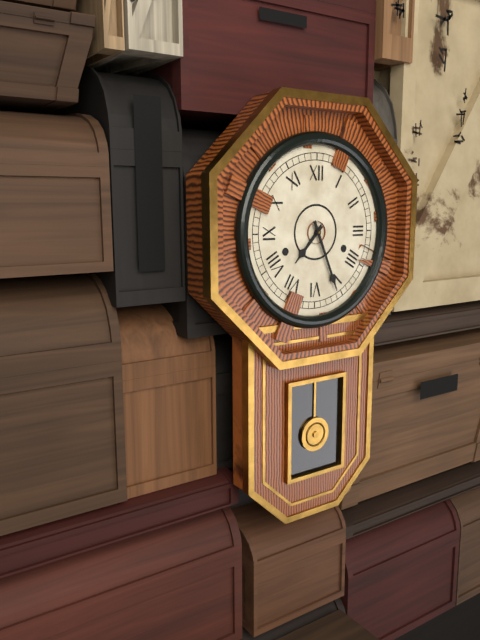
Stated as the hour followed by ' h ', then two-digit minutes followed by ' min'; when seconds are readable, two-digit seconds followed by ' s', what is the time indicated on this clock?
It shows 7 h 26 min
